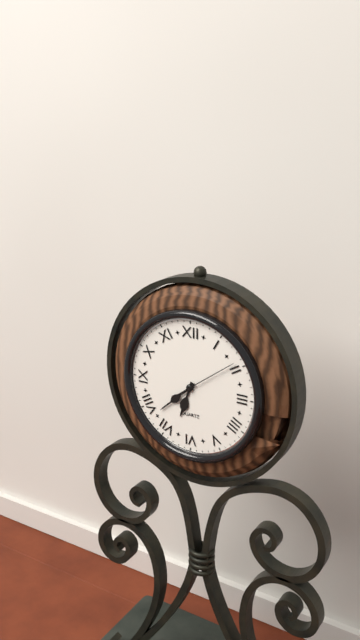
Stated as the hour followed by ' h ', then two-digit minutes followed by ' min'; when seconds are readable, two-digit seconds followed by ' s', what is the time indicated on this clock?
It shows 6 h 38 min 09 s
